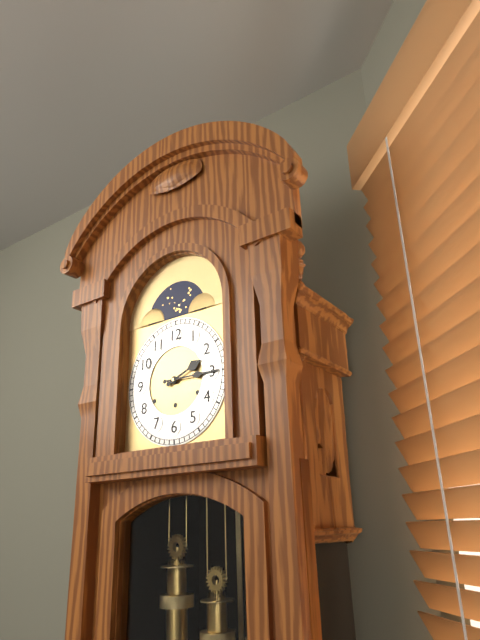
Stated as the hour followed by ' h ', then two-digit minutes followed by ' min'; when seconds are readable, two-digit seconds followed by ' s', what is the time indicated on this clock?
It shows 2 h 15 min
